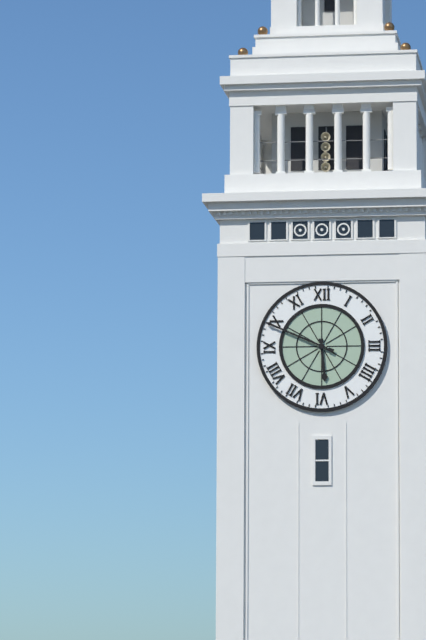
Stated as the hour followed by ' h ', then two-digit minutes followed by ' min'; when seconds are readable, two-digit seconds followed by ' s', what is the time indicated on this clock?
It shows 5 h 49 min
